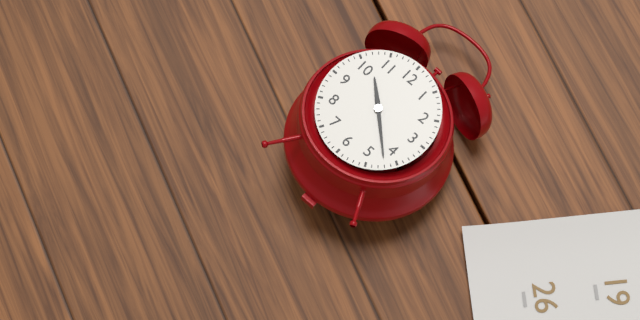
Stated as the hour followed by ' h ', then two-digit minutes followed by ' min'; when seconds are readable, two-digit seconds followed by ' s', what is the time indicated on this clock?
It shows 10 h 22 min
